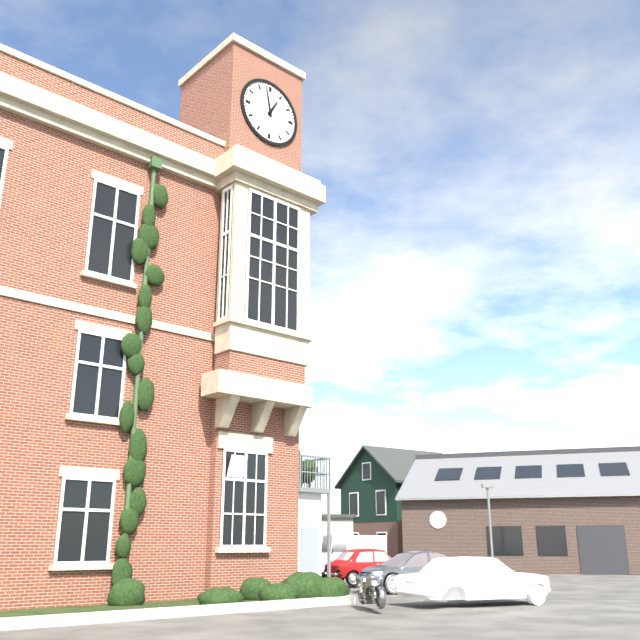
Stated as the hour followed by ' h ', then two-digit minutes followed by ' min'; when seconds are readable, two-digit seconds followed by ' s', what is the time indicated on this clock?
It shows 12 h 58 min
